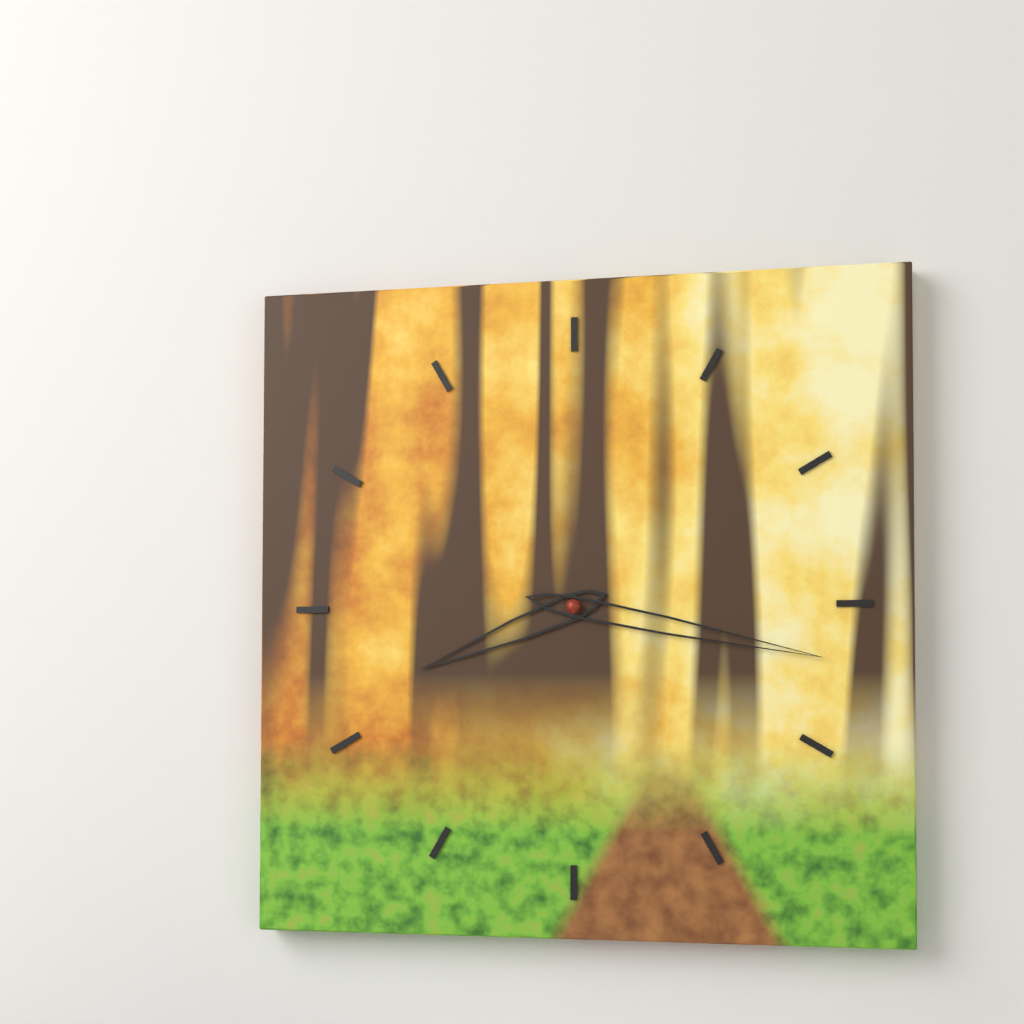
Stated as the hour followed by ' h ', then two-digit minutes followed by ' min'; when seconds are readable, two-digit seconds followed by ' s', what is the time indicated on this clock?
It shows 8 h 17 min
